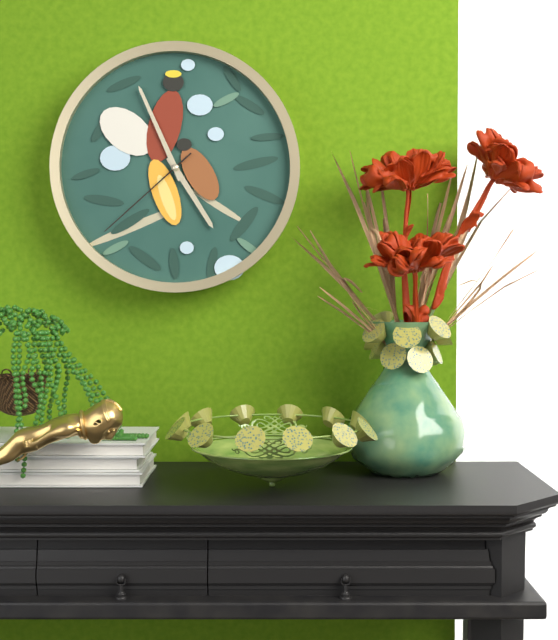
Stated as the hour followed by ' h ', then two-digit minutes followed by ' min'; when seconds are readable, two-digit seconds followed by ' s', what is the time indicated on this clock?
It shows 4 h 56 min 38 s
